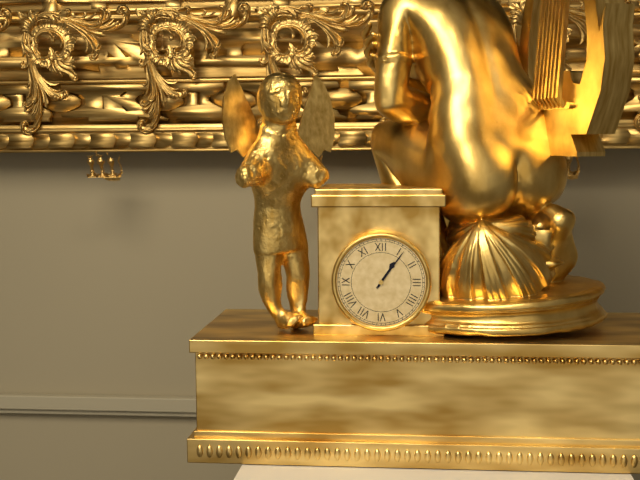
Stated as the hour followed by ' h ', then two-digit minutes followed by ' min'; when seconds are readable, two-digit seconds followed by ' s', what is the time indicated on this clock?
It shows 1 h 06 min
